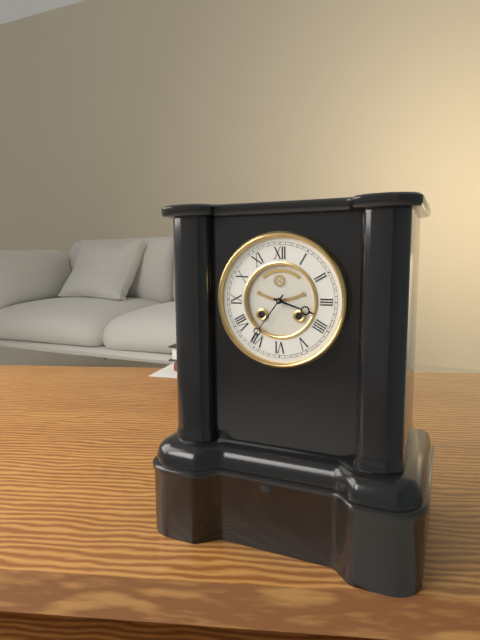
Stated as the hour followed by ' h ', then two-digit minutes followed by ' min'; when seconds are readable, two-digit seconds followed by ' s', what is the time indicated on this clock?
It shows 3 h 36 min
